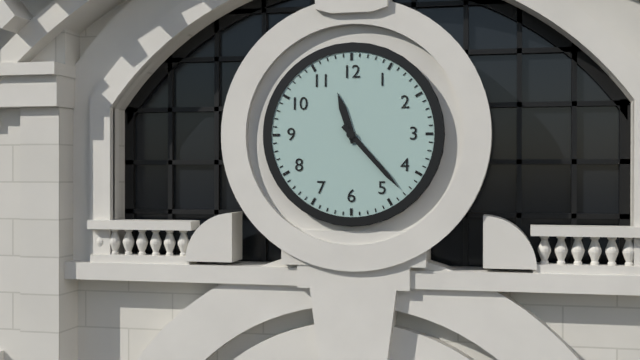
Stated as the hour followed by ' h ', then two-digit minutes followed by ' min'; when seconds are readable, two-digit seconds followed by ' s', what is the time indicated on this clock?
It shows 11 h 23 min
